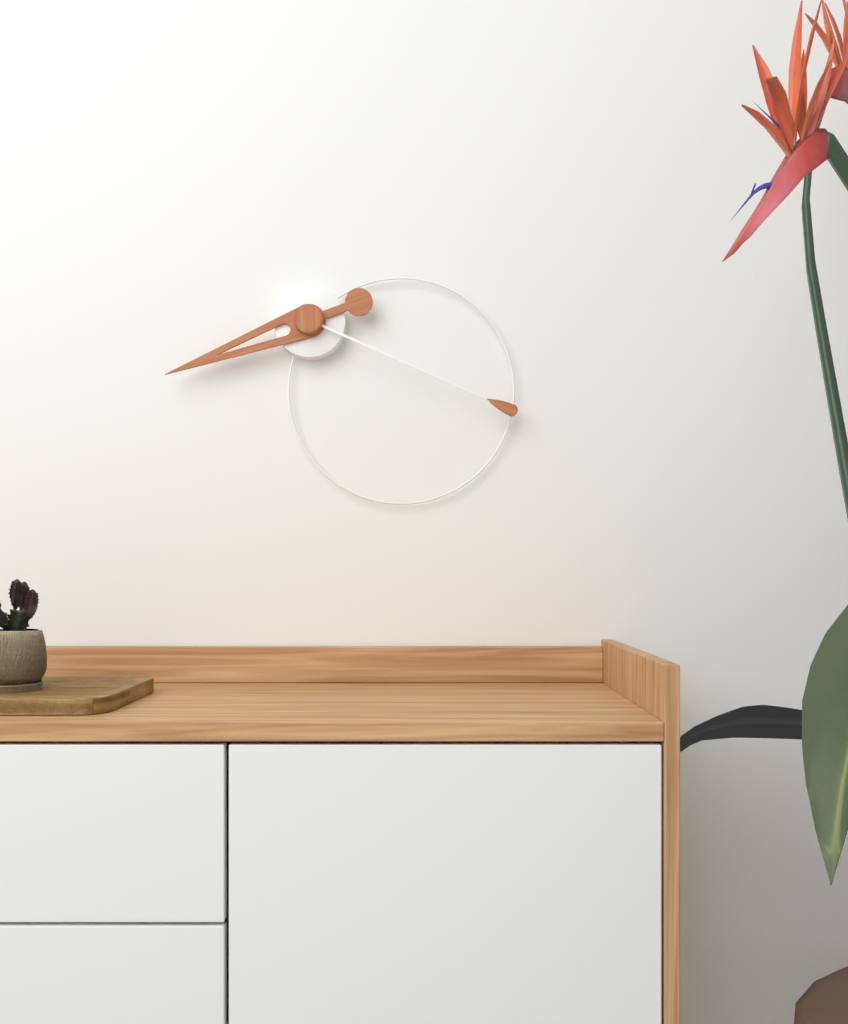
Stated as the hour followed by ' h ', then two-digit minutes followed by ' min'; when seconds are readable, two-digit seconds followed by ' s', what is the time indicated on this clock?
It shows 8 h 19 min
